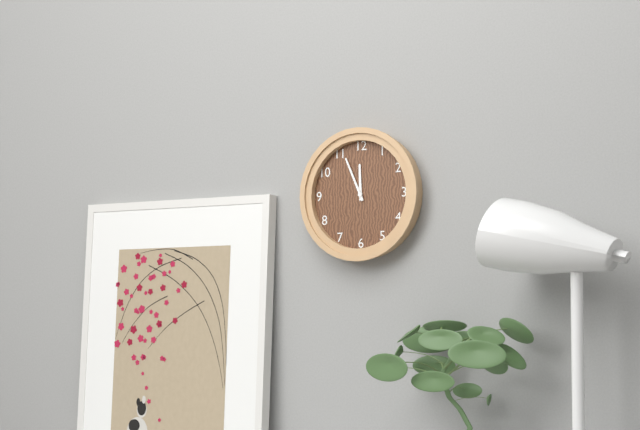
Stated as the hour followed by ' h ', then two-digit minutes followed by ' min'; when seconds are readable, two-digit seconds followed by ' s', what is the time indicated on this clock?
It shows 11 h 56 min
